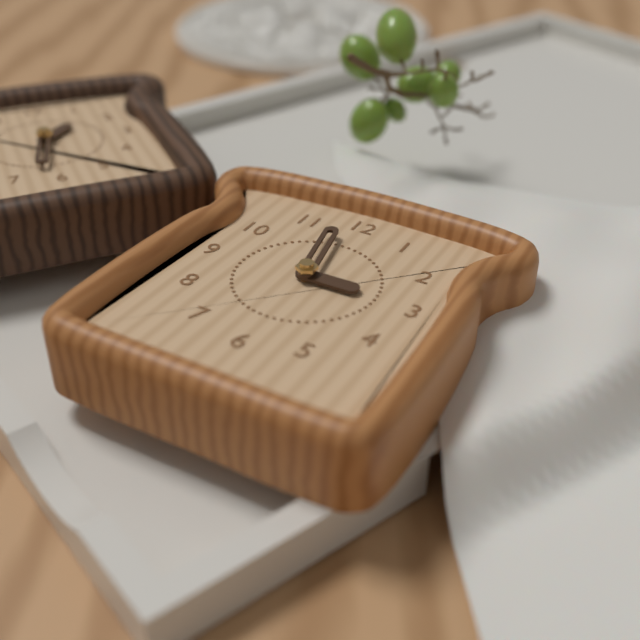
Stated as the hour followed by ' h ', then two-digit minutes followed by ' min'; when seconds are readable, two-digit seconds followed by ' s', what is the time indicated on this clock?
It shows 2 h 58 min
